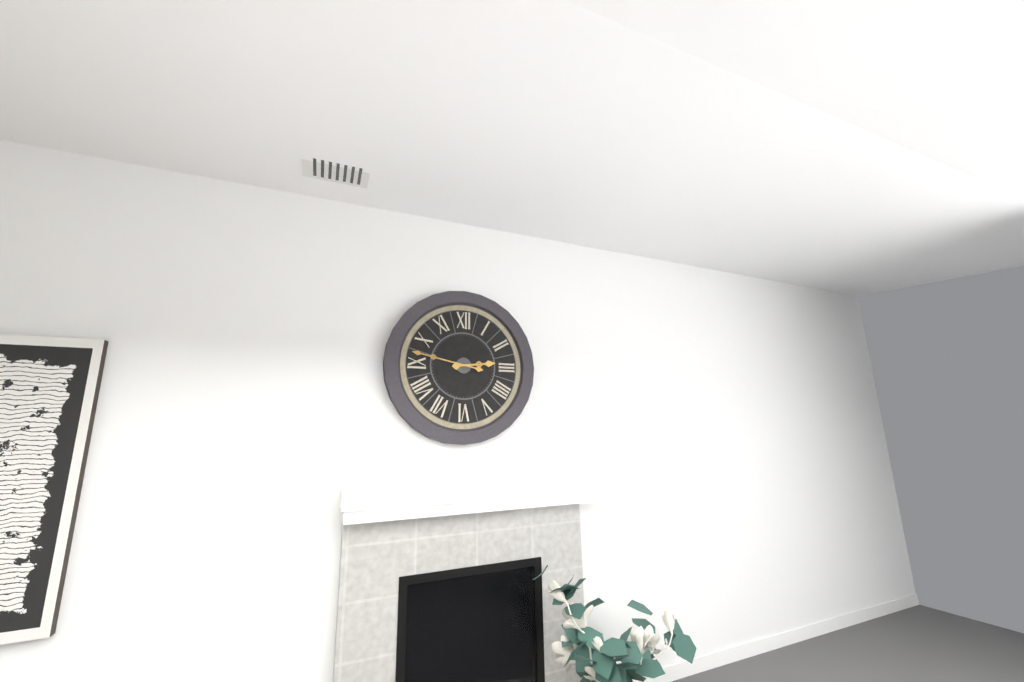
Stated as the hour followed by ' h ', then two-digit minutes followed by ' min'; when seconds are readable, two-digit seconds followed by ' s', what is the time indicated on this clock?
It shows 2 h 47 min
